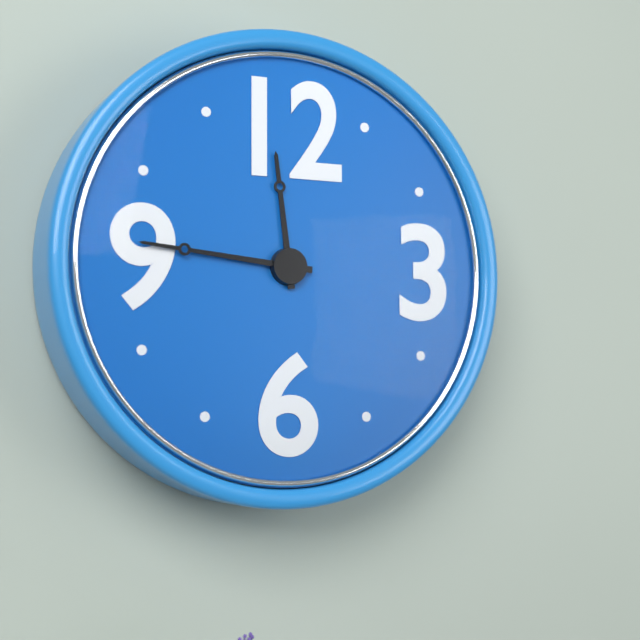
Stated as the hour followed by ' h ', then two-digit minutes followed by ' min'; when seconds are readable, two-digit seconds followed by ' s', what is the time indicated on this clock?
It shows 11 h 46 min
